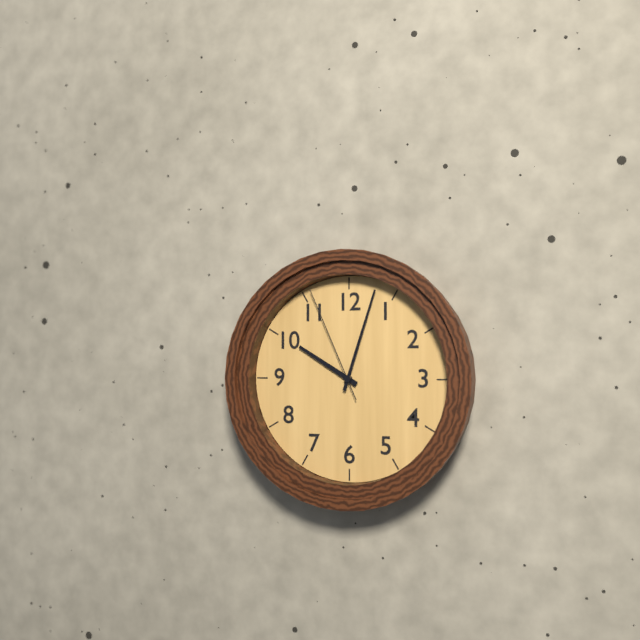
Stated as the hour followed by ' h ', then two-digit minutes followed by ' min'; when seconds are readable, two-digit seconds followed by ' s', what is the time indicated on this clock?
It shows 10 h 03 min 56 s
